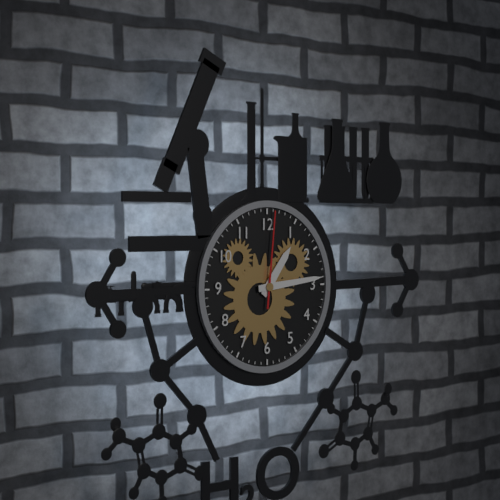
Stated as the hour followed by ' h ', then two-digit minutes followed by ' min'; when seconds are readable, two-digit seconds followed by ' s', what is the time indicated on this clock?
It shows 1 h 14 min 01 s
